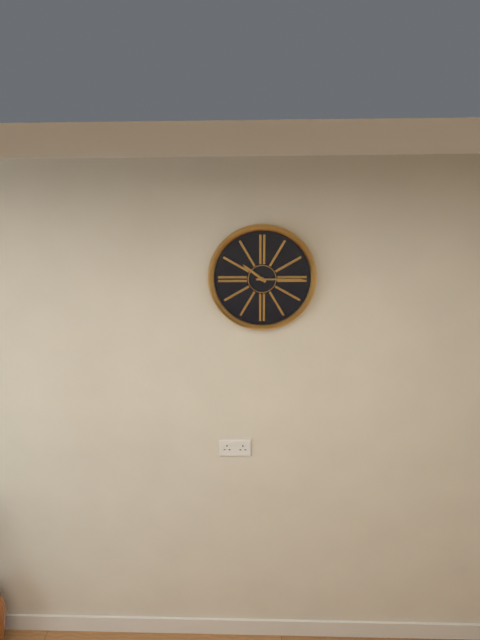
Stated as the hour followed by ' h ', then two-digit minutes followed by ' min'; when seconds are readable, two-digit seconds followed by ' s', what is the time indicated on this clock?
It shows 10 h 15 min
